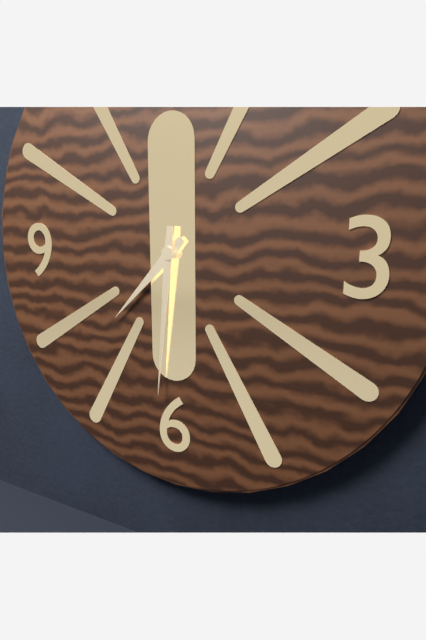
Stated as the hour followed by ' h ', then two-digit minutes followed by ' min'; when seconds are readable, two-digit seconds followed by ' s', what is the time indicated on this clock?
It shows 7 h 31 min
